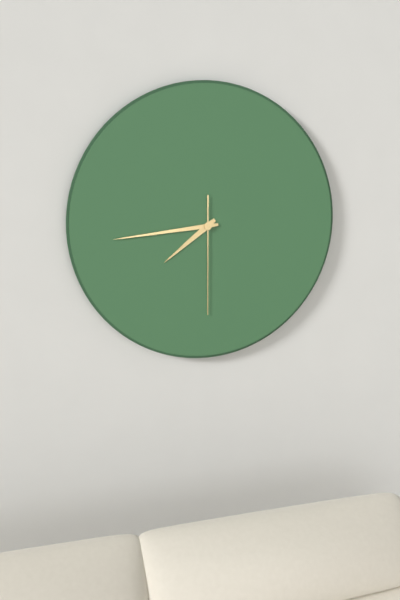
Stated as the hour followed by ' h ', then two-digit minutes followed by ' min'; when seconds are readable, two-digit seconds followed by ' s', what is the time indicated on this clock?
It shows 7 h 44 min 30 s
